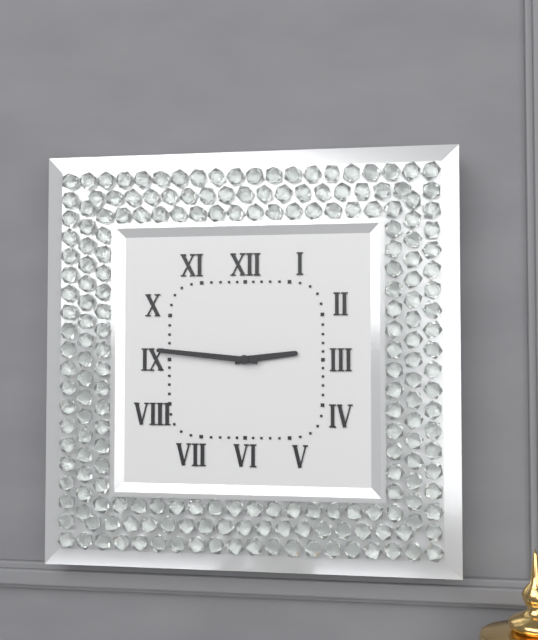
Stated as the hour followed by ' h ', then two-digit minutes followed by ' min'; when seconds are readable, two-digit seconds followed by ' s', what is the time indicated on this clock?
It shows 2 h 46 min
